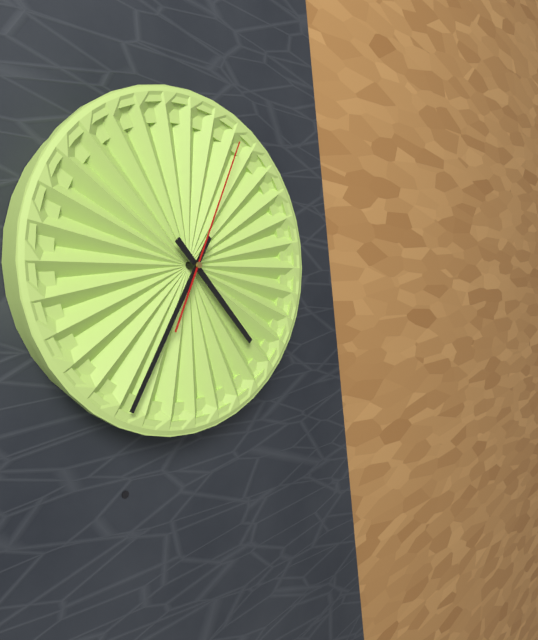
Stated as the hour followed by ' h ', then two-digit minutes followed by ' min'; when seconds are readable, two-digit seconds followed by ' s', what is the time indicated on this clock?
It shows 4 h 35 min 04 s
